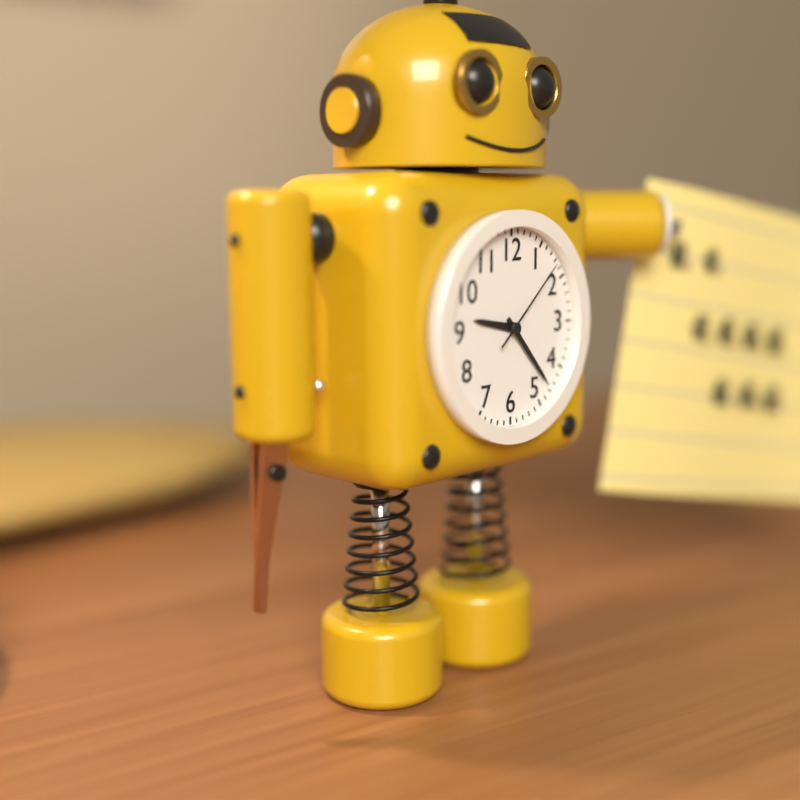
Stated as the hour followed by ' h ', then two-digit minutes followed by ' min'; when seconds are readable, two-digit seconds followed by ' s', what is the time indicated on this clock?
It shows 9 h 23 min 08 s
